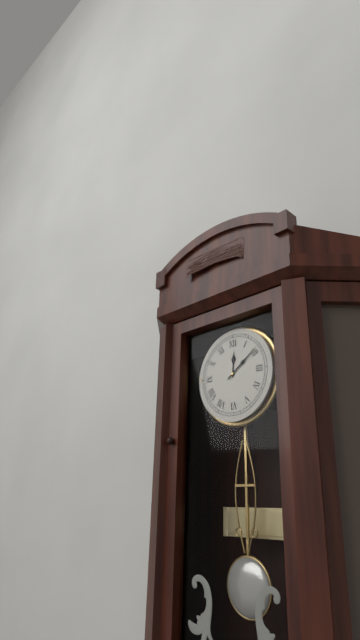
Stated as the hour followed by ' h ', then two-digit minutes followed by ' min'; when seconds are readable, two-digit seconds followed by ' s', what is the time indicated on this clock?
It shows 12 h 09 min
